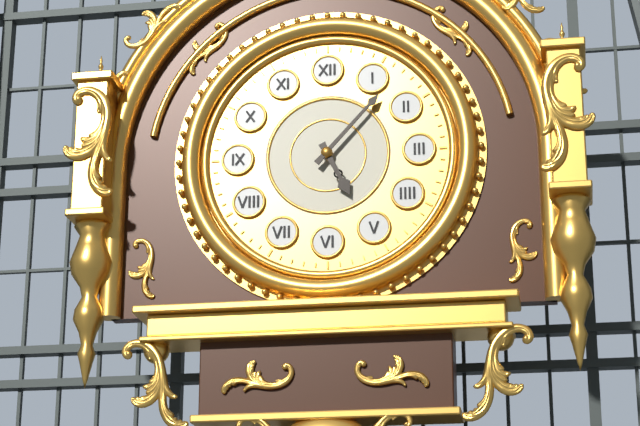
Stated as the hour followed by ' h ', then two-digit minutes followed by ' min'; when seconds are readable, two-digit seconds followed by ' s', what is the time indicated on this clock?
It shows 5 h 07 min
